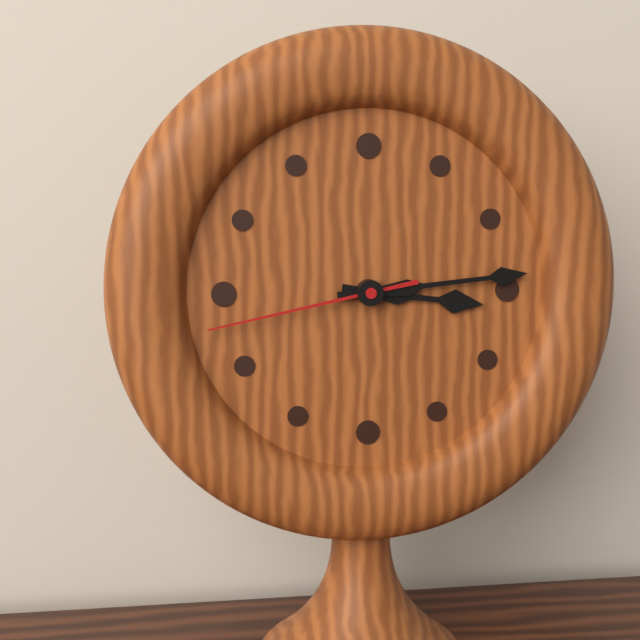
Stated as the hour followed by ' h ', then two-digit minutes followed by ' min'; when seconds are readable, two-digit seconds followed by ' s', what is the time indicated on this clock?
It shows 3 h 14 min 43 s
